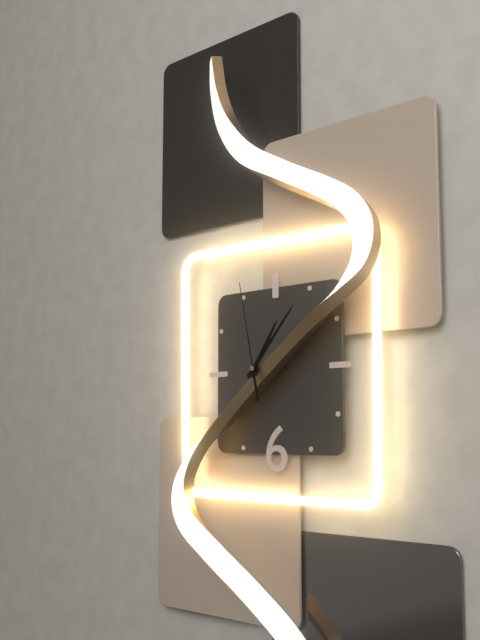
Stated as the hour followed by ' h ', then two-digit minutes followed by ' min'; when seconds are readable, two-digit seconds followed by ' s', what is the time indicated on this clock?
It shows 1 h 07 min 58 s
